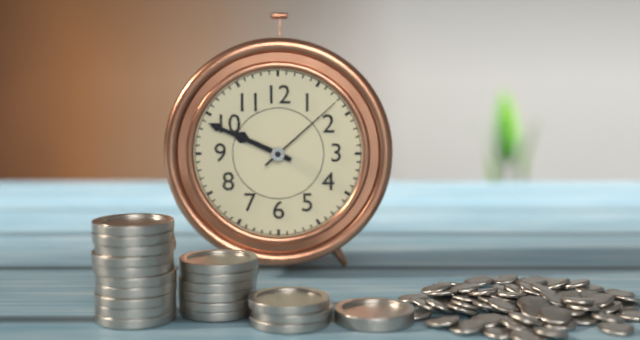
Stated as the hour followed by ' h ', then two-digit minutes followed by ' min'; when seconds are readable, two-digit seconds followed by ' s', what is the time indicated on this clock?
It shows 9 h 49 min 08 s
